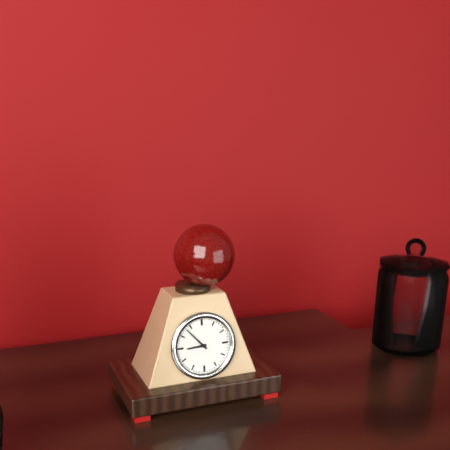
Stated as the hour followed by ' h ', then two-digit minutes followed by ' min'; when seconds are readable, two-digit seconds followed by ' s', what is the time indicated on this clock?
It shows 8 h 53 min
